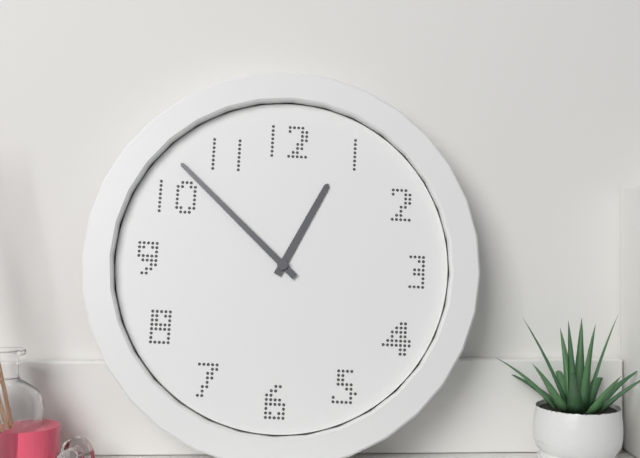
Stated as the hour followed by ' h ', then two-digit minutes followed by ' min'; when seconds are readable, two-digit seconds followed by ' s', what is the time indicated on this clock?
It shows 12 h 52 min
